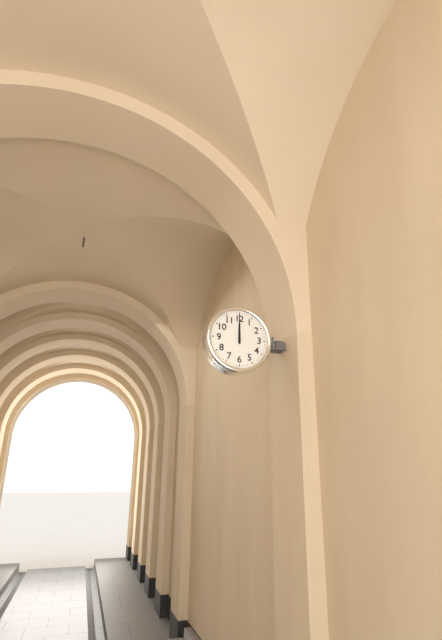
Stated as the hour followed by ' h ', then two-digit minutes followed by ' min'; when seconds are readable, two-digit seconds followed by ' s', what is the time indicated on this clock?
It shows 12 h 00 min
